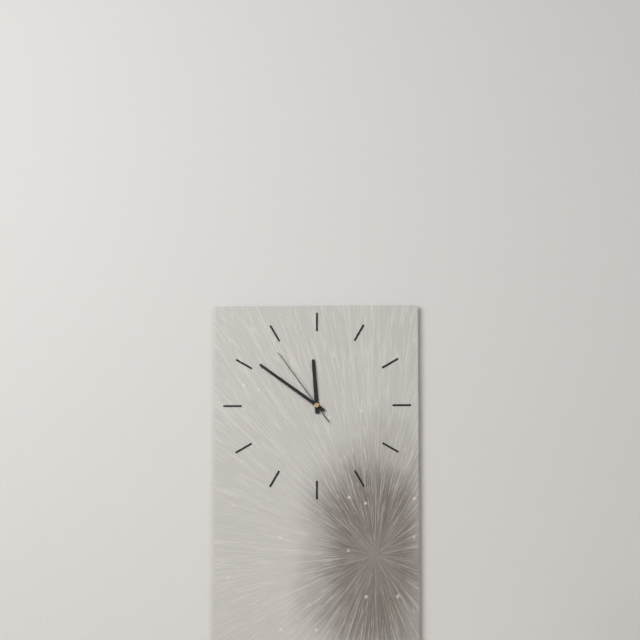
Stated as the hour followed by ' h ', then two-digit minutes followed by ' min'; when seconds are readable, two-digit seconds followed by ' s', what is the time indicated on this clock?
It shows 11 h 51 min 54 s
